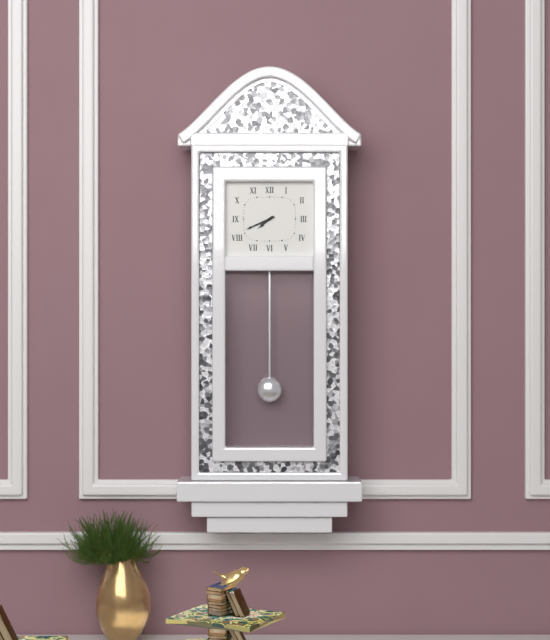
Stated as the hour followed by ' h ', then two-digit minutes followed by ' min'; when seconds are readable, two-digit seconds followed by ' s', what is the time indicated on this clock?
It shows 7 h 41 min
